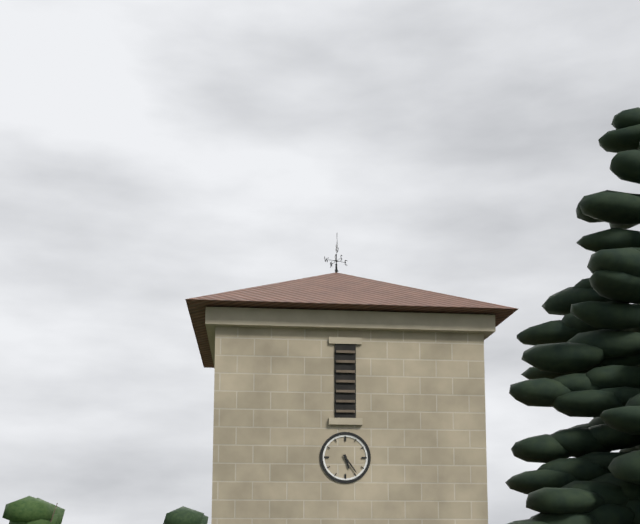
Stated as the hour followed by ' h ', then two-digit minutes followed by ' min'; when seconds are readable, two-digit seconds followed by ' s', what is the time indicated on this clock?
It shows 5 h 24 min
